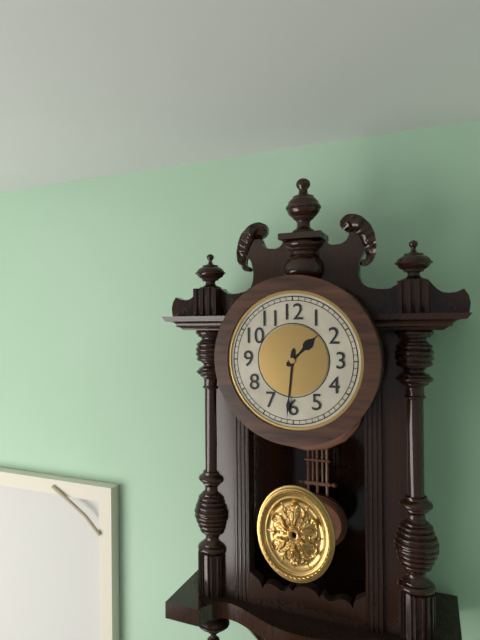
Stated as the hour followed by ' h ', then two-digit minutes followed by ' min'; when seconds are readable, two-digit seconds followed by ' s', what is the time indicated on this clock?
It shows 1 h 31 min
